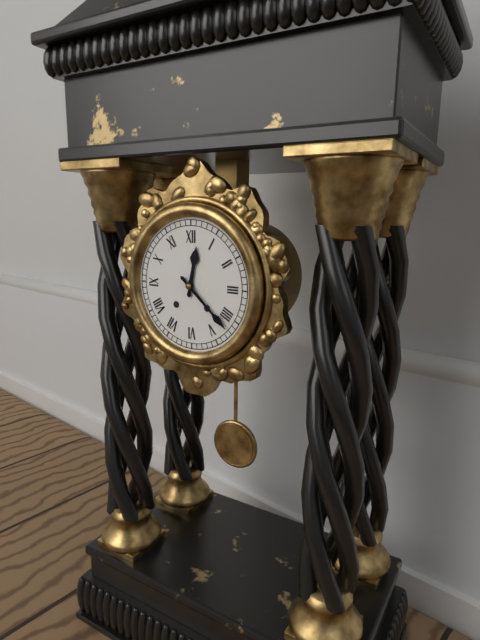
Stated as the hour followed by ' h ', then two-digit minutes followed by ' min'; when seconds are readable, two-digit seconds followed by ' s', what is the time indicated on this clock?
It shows 12 h 22 min
